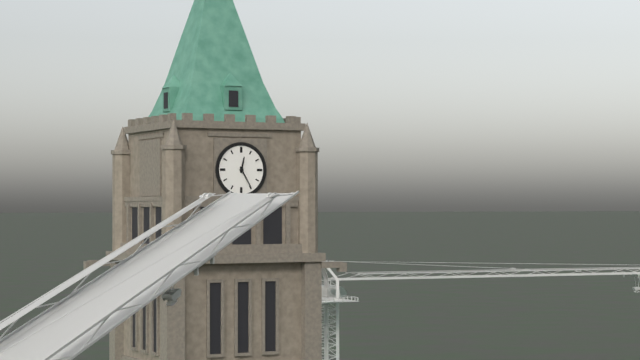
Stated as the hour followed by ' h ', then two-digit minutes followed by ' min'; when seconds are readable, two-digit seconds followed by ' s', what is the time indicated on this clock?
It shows 12 h 25 min
